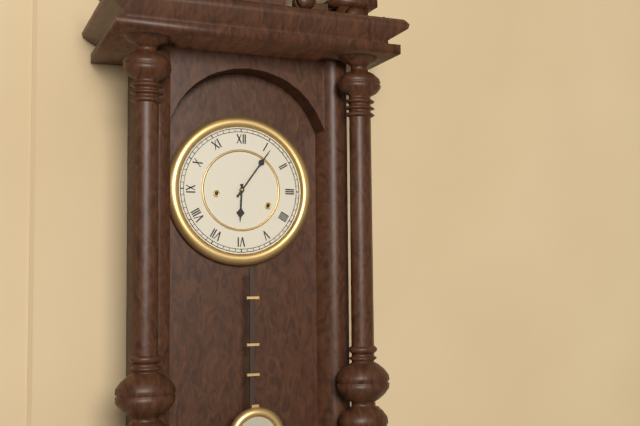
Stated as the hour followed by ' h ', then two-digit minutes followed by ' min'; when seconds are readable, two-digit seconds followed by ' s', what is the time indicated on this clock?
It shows 6 h 06 min
